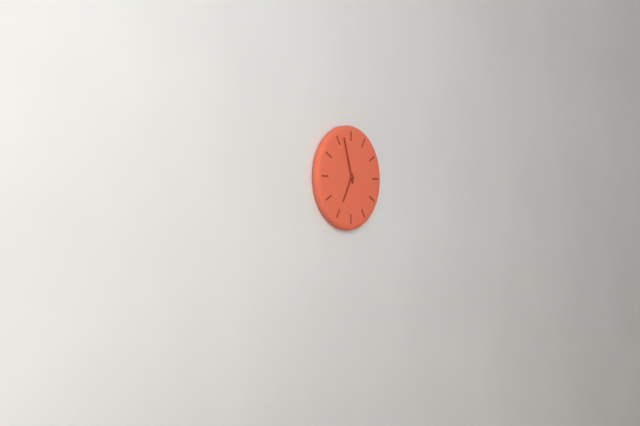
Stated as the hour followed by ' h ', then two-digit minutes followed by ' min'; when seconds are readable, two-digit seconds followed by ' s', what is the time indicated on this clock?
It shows 6 h 57 min
